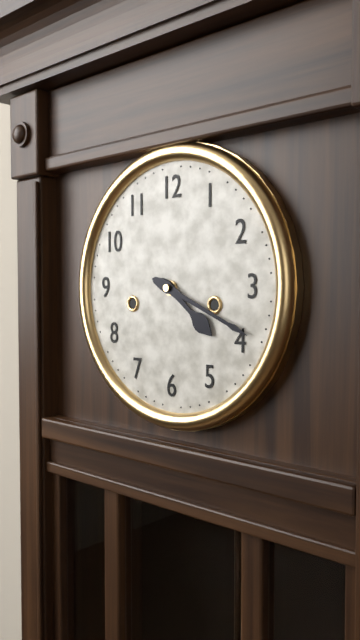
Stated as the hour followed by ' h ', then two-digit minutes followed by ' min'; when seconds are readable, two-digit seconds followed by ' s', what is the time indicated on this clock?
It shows 4 h 19 min
